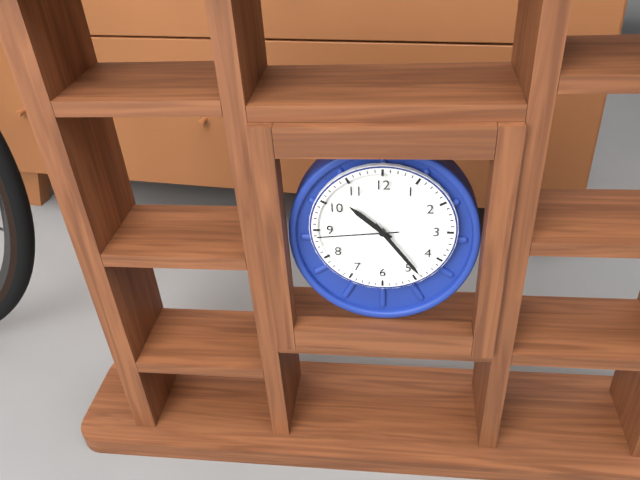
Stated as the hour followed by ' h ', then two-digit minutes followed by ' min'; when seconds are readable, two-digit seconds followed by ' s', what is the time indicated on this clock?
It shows 10 h 24 min 44 s
